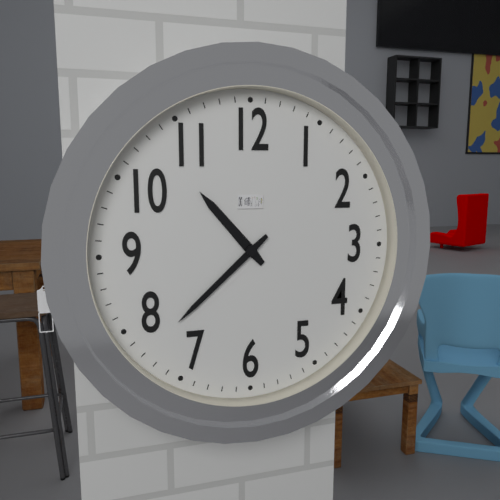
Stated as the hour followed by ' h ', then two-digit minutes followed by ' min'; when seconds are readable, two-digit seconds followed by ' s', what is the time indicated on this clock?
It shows 10 h 38 min
